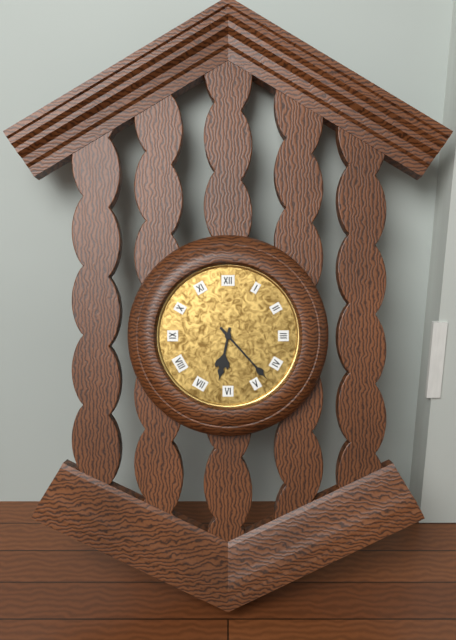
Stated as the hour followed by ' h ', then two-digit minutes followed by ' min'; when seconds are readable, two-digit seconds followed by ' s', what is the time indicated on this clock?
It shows 6 h 23 min
